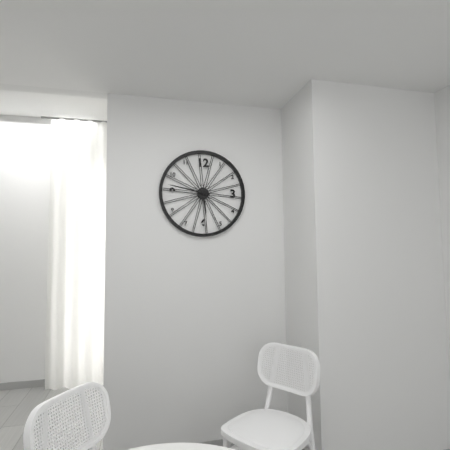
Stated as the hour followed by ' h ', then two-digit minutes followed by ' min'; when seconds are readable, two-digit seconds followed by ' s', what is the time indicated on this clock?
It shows 5 h 47 min
